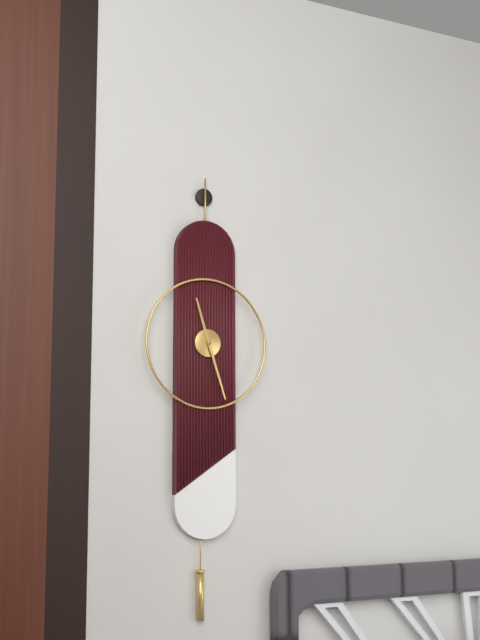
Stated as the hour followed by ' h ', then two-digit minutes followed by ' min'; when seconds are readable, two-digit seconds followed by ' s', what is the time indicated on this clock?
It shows 11 h 27 min
